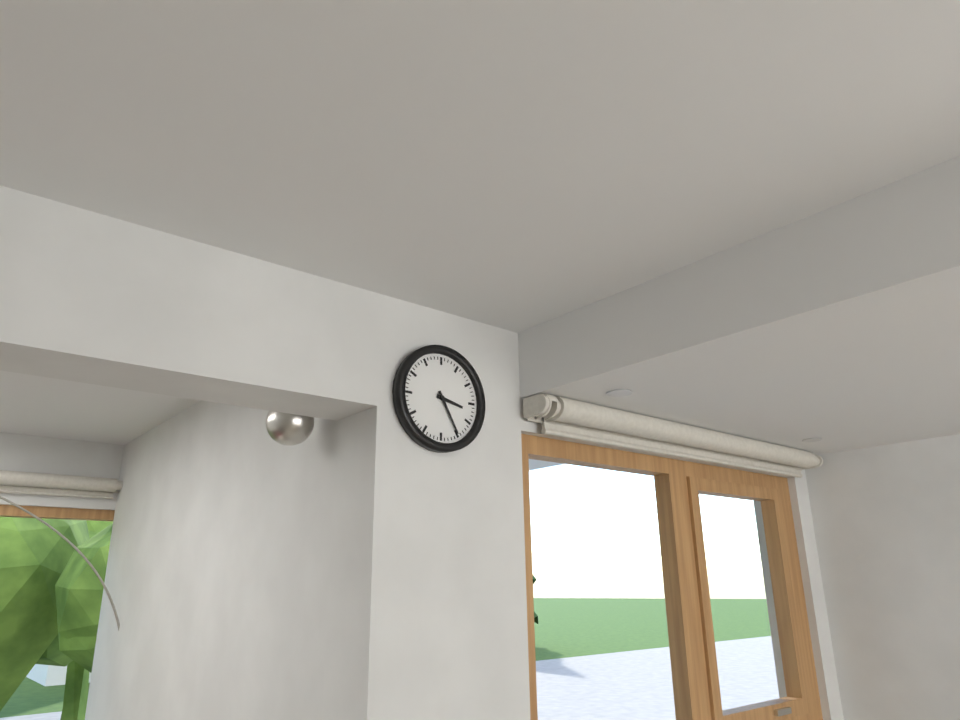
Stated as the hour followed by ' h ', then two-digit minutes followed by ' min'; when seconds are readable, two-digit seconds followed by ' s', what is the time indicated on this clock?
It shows 3 h 25 min
